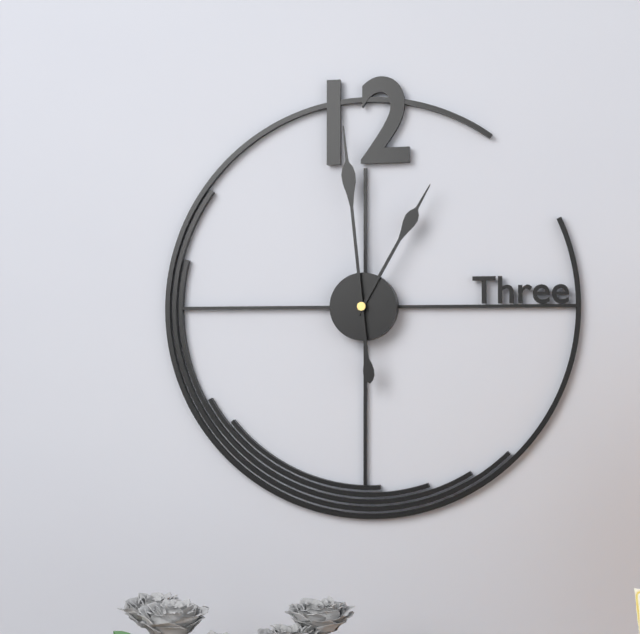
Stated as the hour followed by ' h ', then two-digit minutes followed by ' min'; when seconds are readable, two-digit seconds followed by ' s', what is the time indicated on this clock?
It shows 12 h 59 min
